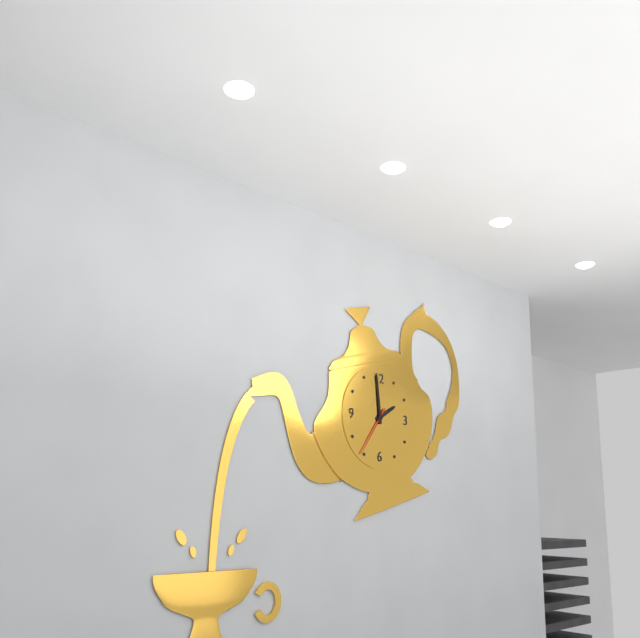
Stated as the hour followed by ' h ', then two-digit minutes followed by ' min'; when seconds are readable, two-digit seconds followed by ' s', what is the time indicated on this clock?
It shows 1 h 59 min 36 s
